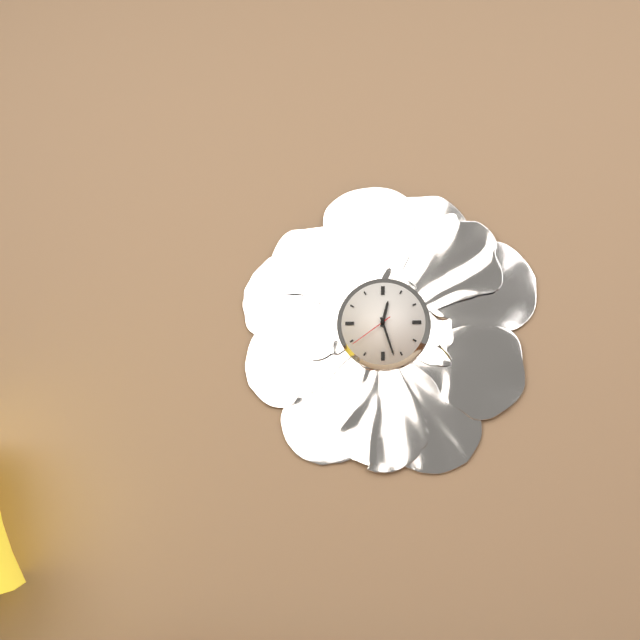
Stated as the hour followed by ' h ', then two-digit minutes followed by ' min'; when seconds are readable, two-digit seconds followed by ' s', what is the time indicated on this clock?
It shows 12 h 27 min
